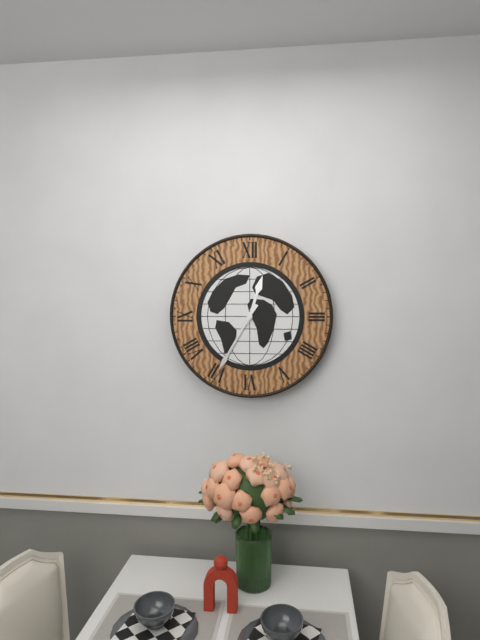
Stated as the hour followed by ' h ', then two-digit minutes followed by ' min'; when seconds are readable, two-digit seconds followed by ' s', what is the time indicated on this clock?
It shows 12 h 35 min
